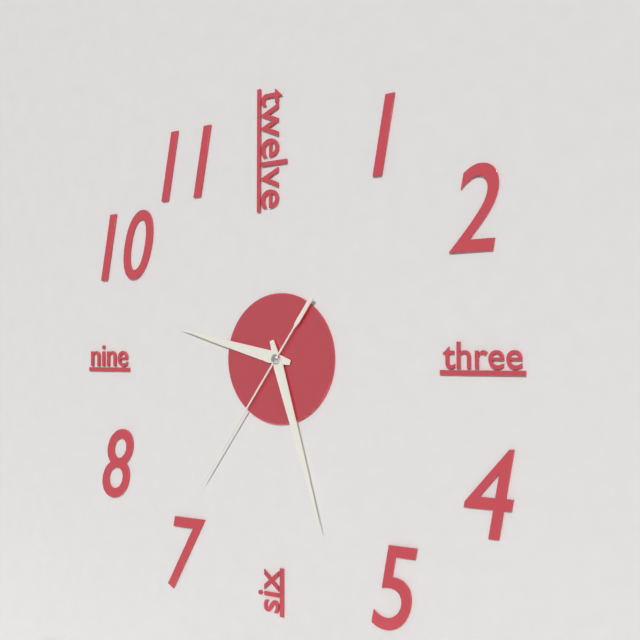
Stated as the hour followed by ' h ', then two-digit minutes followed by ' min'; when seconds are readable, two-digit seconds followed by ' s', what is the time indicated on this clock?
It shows 9 h 27 min 36 s
